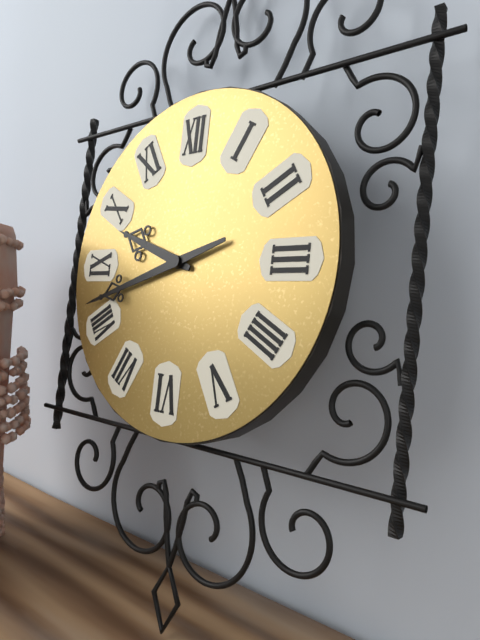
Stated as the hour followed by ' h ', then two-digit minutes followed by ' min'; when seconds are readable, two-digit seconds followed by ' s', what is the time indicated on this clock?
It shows 9 h 42 min
